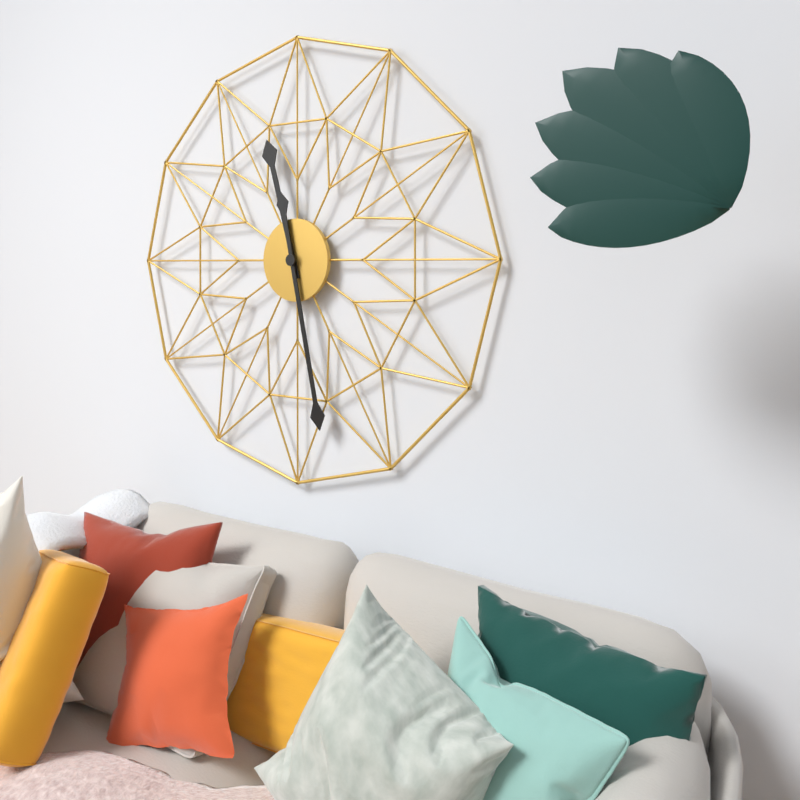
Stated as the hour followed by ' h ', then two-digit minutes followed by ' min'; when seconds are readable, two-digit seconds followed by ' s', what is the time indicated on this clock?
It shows 11 h 28 min
